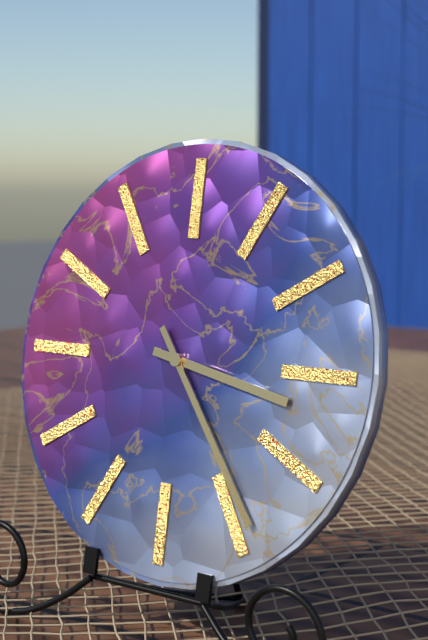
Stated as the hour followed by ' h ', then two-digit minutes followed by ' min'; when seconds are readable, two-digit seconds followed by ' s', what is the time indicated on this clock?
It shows 3 h 24 min
